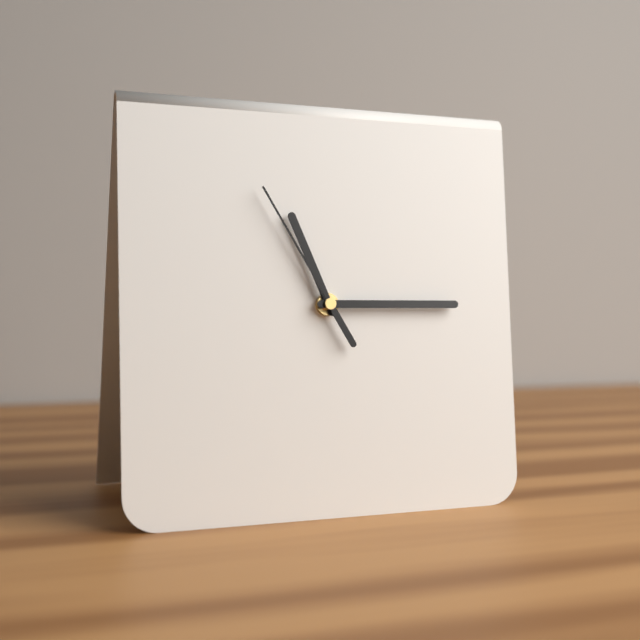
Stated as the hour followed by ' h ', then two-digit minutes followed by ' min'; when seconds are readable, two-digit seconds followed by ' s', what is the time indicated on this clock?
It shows 11 h 15 min 55 s
